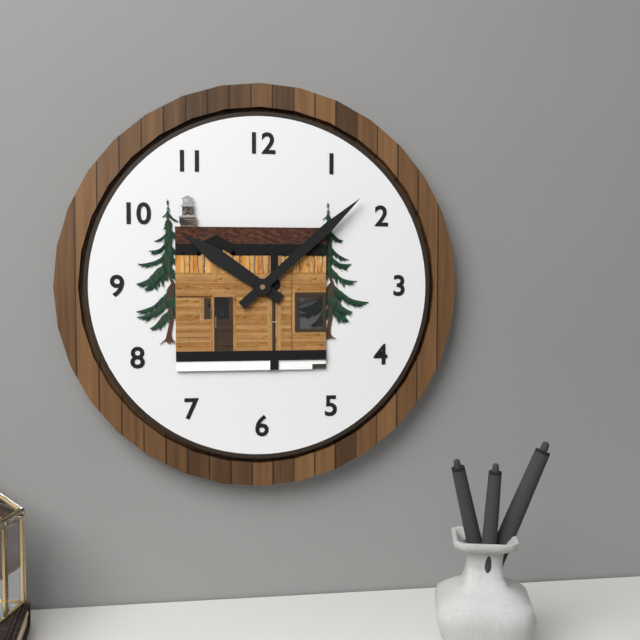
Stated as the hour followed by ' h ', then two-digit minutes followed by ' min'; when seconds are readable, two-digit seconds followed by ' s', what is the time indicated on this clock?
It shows 10 h 08 min
